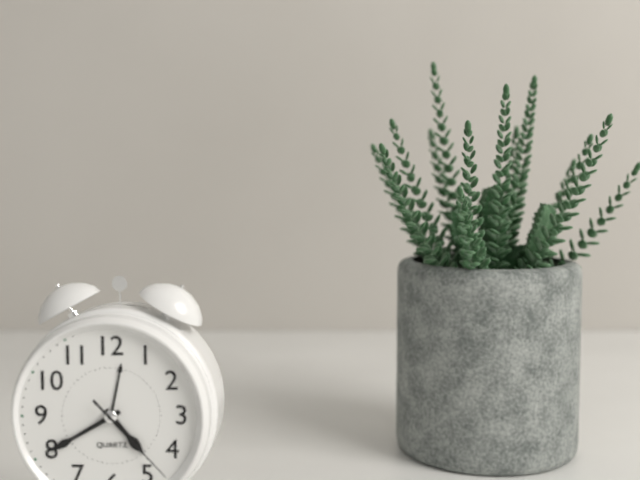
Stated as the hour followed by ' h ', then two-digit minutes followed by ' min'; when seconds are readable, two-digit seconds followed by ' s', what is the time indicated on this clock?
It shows 4 h 40 min 23 s
